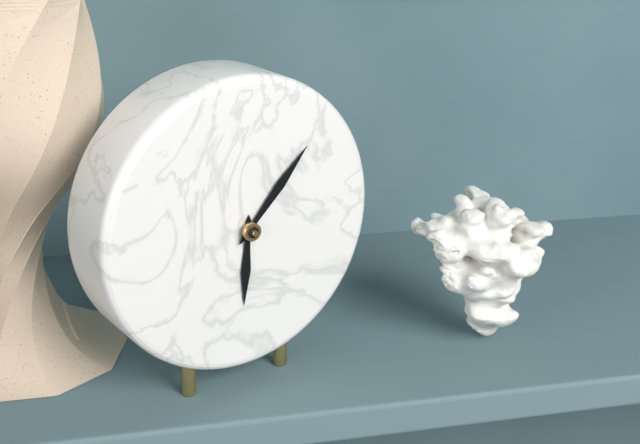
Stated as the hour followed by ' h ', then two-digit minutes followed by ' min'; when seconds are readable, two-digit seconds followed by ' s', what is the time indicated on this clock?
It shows 6 h 07 min
